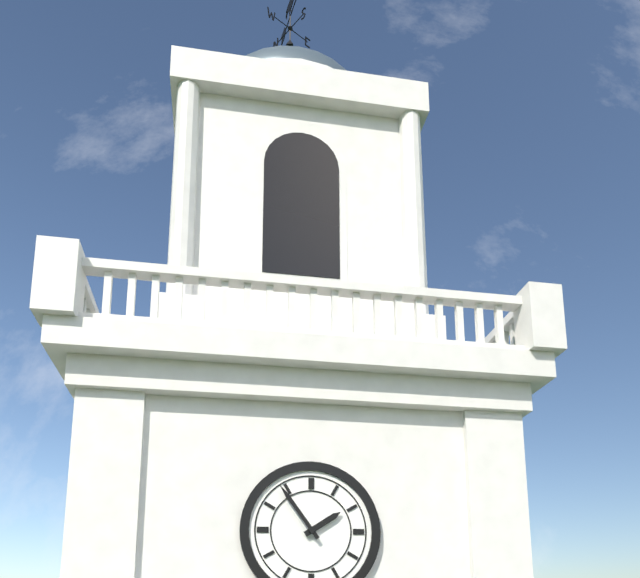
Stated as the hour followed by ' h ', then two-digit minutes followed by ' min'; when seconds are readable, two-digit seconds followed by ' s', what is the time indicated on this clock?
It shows 1 h 54 min
